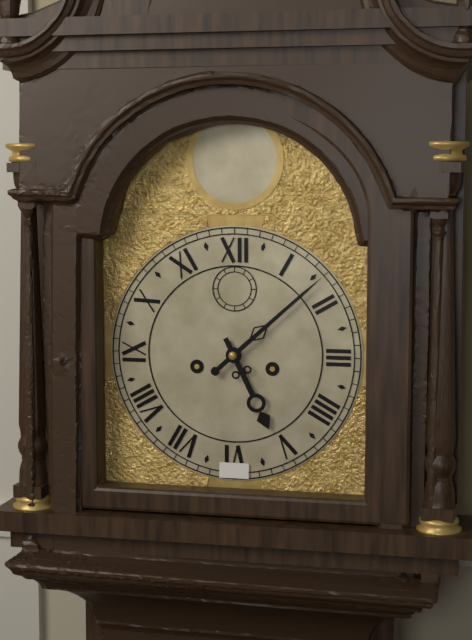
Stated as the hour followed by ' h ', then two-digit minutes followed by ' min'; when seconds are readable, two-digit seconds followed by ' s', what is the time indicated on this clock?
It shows 5 h 08 min
